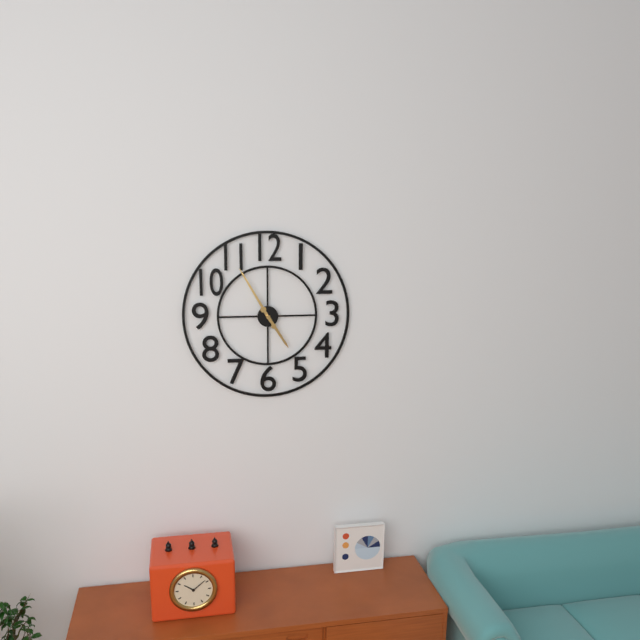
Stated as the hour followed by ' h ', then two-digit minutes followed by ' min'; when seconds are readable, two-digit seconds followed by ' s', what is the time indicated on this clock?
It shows 4 h 55 min
